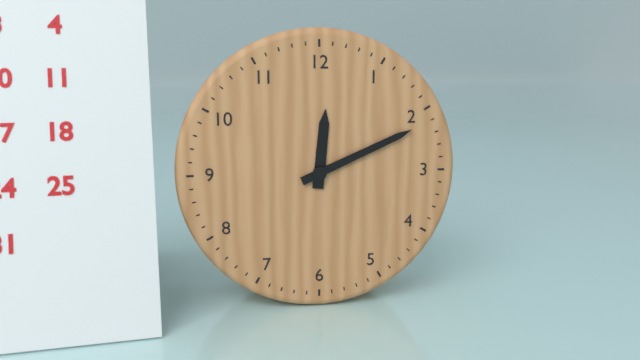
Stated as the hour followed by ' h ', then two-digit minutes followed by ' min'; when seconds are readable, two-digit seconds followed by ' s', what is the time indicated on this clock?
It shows 12 h 11 min
